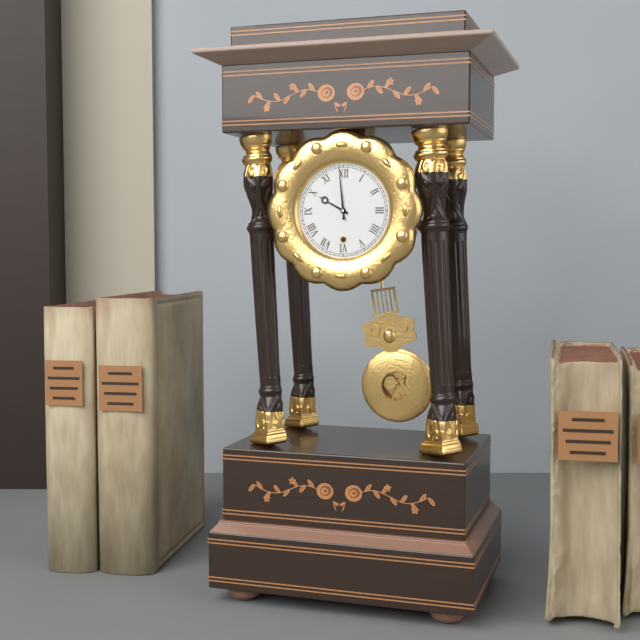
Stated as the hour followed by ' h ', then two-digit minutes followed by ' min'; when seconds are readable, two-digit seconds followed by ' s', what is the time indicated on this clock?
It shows 9 h 59 min
